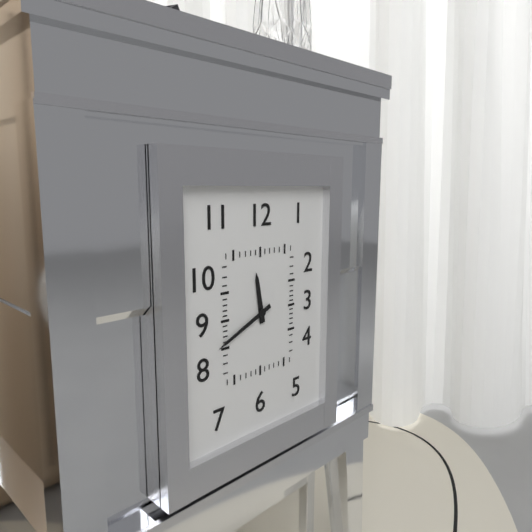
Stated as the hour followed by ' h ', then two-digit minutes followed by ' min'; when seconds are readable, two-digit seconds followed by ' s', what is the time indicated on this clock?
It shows 11 h 41 min
